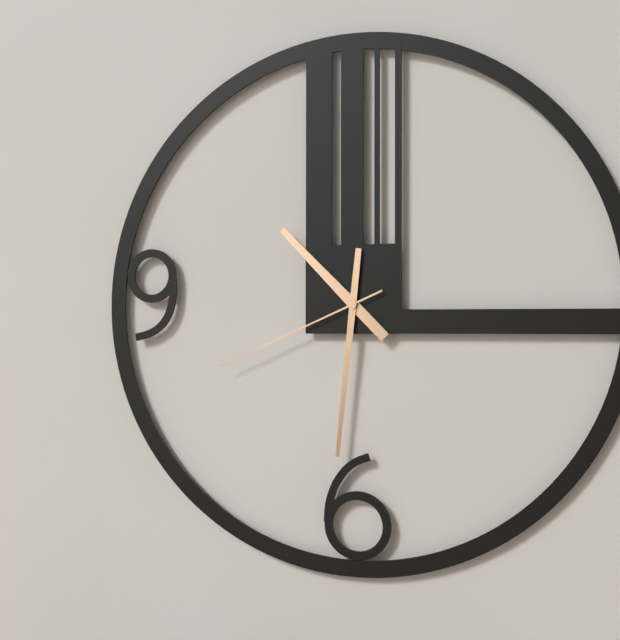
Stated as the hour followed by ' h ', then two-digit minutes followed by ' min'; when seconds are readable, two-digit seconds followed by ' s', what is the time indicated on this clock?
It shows 10 h 31 min 41 s
